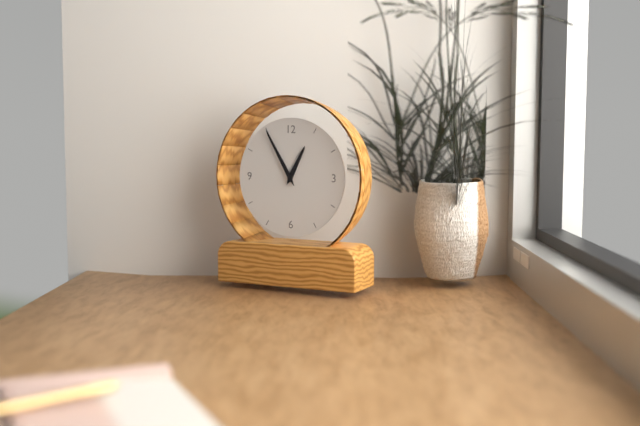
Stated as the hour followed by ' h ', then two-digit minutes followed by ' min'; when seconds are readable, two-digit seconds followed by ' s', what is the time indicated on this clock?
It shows 12 h 55 min
